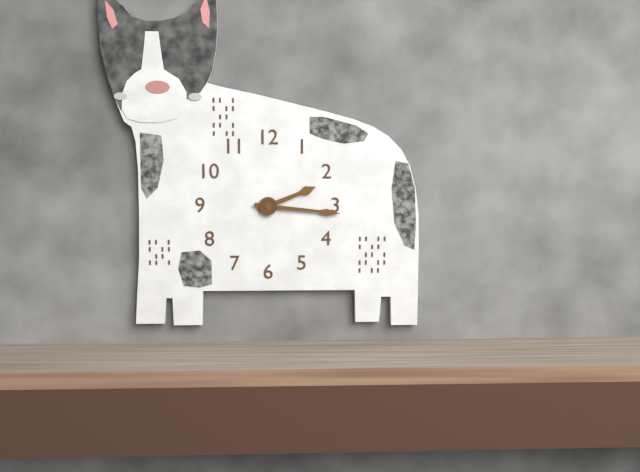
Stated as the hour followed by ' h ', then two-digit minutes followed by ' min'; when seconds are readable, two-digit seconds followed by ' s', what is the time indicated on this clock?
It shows 2 h 16 min
